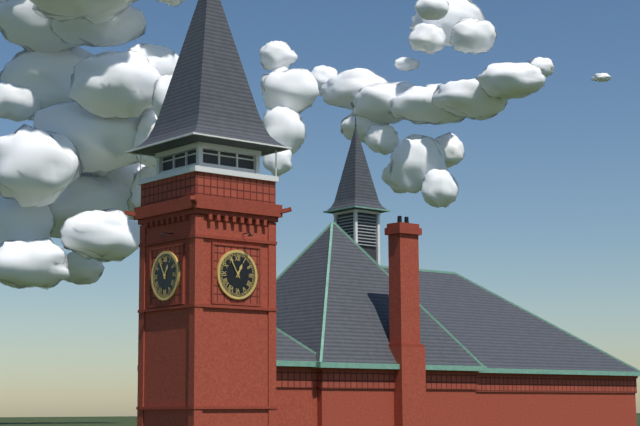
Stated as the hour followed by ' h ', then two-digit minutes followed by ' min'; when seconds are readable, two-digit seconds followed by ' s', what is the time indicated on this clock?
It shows 12 h 55 min
